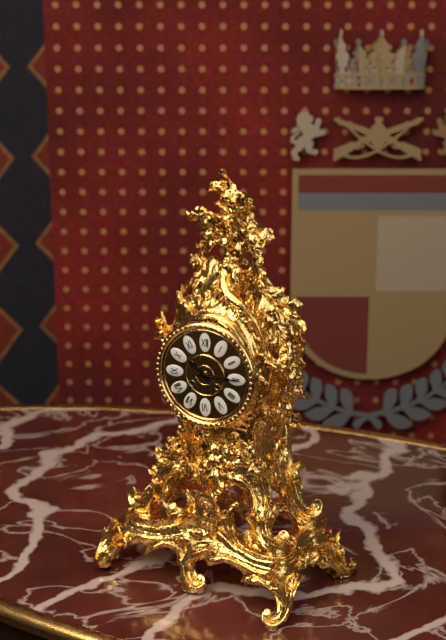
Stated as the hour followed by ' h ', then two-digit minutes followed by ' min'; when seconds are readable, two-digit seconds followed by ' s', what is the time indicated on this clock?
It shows 10 h 15 min
